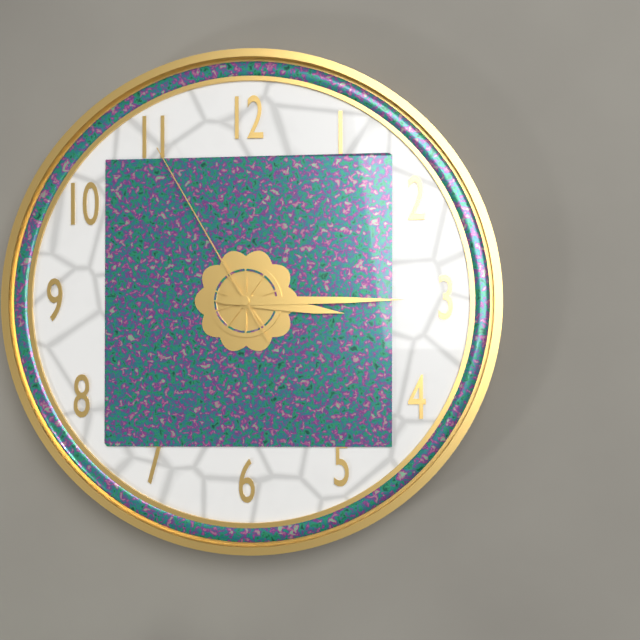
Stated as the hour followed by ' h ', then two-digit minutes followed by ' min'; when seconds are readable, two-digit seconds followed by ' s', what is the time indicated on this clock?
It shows 3 h 15 min 55 s
